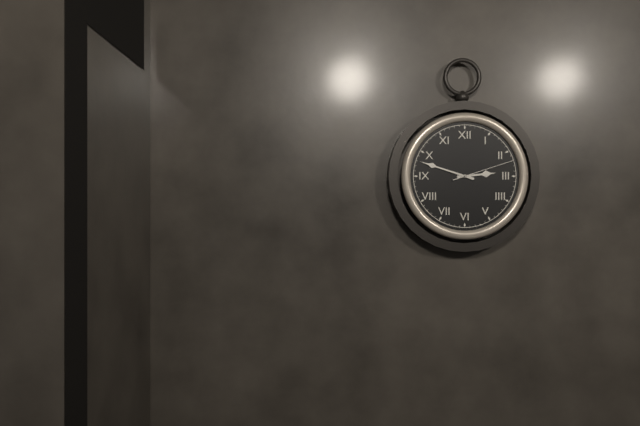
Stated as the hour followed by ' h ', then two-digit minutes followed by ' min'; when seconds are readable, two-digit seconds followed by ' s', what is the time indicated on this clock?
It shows 2 h 48 min 12 s
